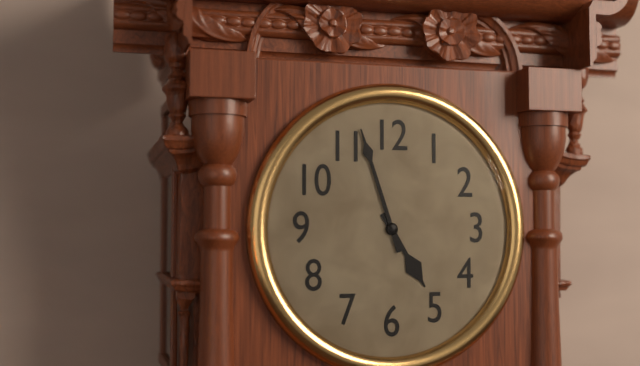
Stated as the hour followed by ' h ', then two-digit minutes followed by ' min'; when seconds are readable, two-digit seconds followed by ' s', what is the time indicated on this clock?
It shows 4 h 57 min
